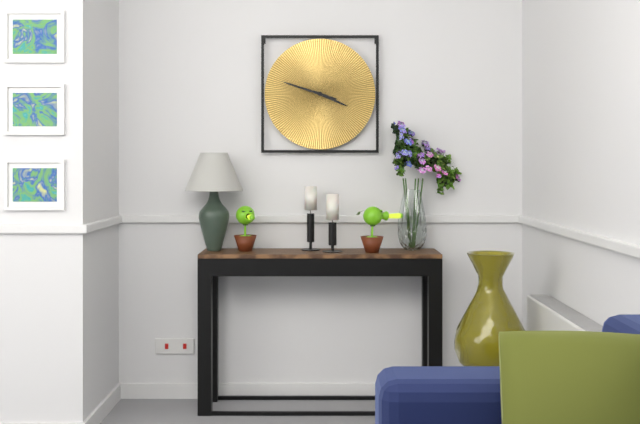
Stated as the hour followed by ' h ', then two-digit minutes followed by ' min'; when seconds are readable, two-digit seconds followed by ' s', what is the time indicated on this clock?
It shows 3 h 48 min
